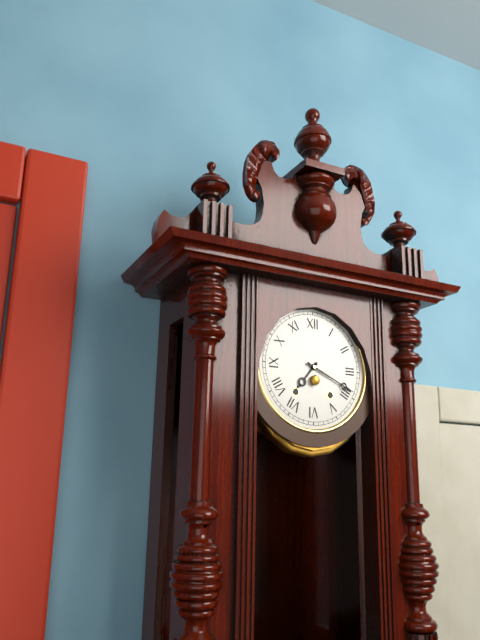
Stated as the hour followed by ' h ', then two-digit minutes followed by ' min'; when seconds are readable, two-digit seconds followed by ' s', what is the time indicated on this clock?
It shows 7 h 19 min
